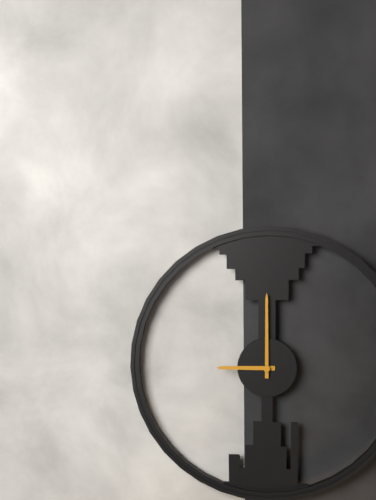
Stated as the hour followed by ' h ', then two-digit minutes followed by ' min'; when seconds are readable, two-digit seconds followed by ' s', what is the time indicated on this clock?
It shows 9 h 00 min
